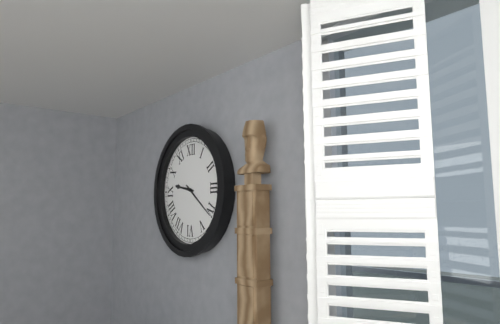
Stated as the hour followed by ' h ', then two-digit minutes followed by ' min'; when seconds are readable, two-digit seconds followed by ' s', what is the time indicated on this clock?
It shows 9 h 21 min
